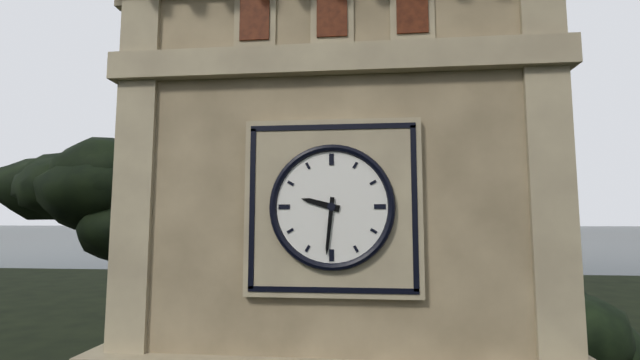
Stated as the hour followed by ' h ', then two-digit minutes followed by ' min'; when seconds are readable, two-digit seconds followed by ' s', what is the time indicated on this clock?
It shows 9 h 31 min
